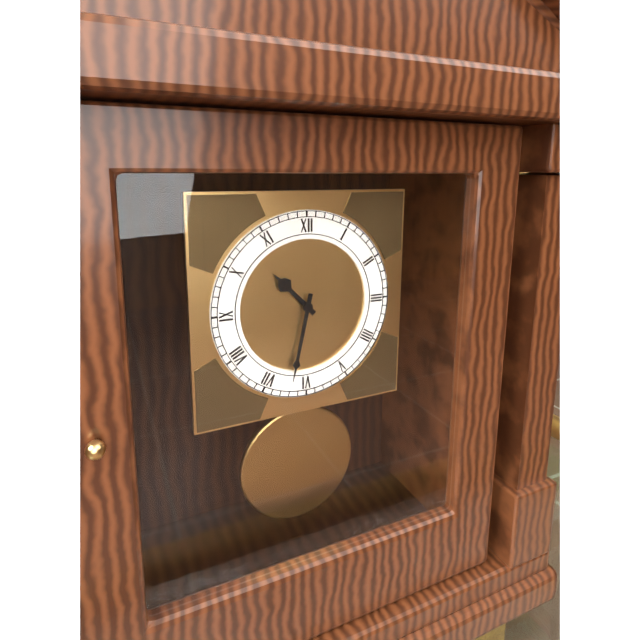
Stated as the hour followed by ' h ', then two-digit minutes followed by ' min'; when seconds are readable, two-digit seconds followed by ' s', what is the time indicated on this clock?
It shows 10 h 32 min
